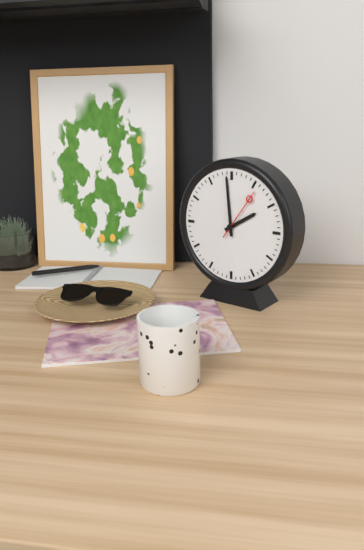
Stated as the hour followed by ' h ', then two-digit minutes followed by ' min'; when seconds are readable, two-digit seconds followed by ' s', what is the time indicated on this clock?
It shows 1 h 59 min
